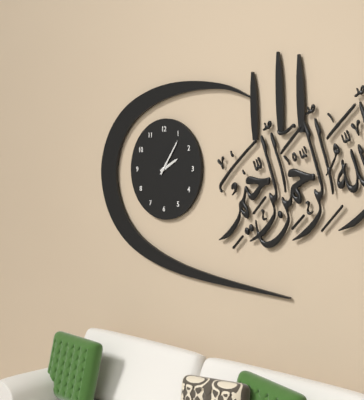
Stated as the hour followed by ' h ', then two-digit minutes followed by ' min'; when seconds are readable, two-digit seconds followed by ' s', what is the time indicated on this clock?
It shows 2 h 06 min
